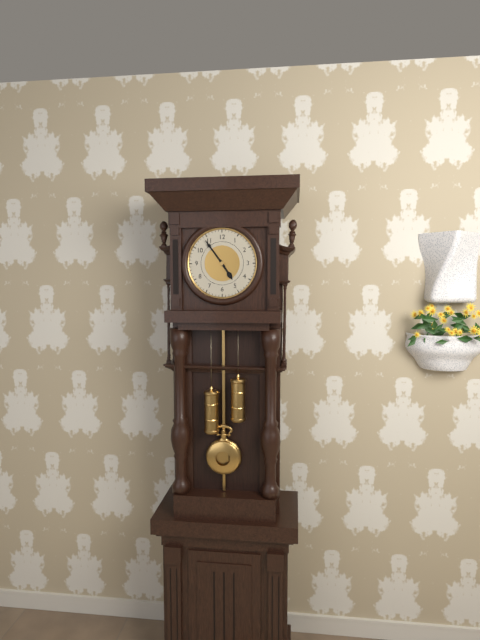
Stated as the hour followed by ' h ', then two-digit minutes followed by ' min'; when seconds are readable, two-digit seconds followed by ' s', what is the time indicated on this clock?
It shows 4 h 54 min
